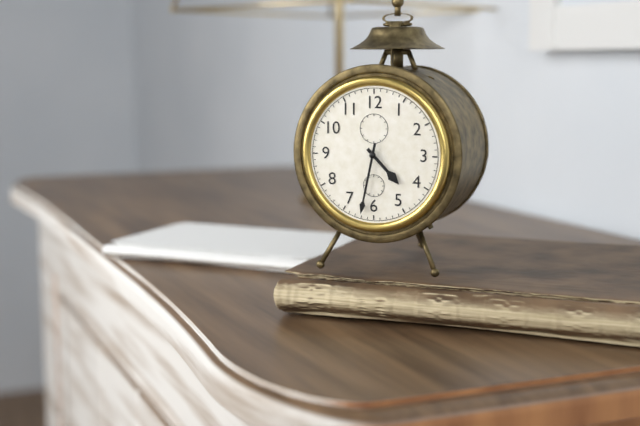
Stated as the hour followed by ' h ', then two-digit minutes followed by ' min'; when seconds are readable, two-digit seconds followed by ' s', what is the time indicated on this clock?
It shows 4 h 32 min
